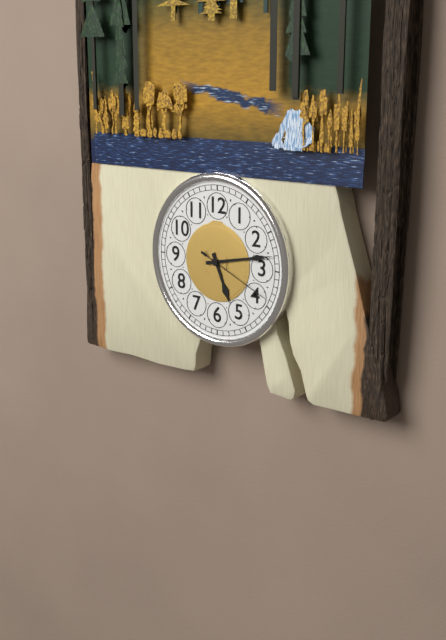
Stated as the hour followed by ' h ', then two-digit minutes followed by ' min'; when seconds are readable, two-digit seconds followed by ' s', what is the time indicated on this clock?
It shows 5 h 13 min 19 s
